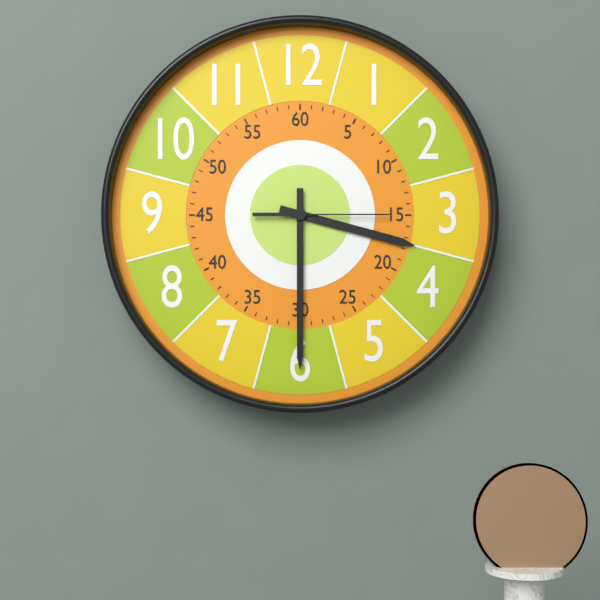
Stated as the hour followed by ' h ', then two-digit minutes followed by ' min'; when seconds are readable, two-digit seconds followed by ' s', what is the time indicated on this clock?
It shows 3 h 30 min 15 s
